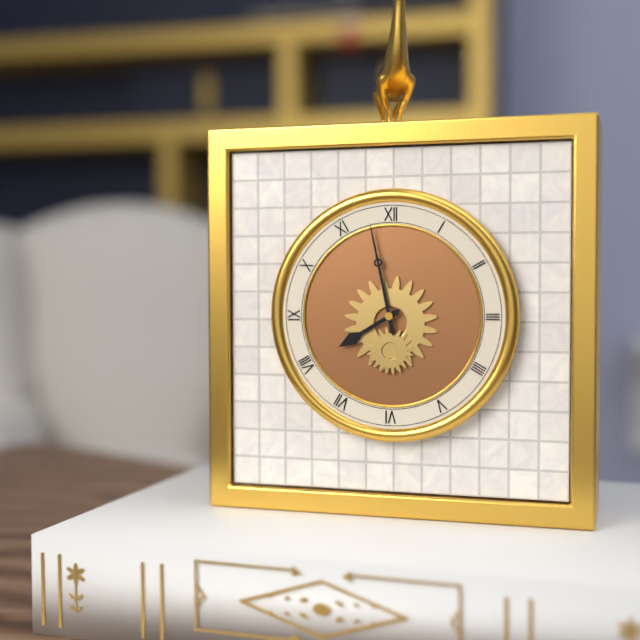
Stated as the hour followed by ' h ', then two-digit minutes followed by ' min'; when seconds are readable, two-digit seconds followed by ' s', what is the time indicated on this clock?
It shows 7 h 58 min
